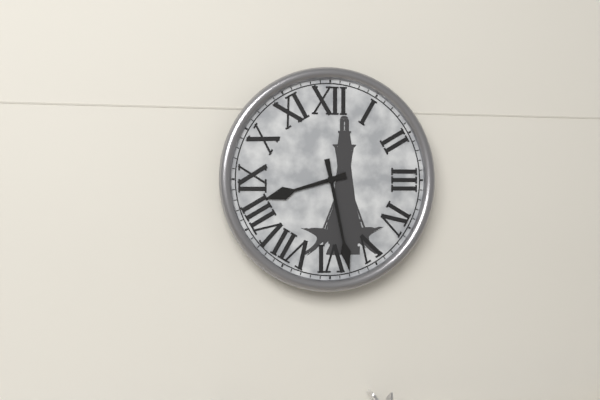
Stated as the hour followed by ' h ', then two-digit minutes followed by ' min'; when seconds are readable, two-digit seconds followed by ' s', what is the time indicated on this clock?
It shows 8 h 28 min
